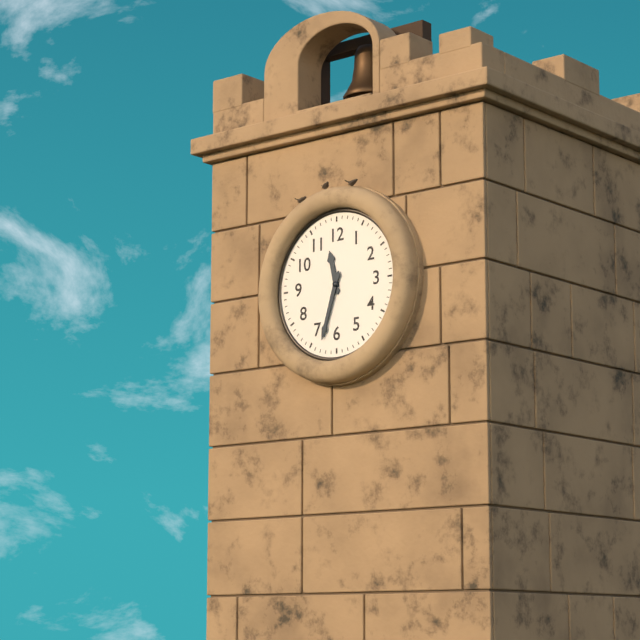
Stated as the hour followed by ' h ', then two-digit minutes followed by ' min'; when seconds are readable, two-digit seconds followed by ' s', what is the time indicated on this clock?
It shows 11 h 33 min
